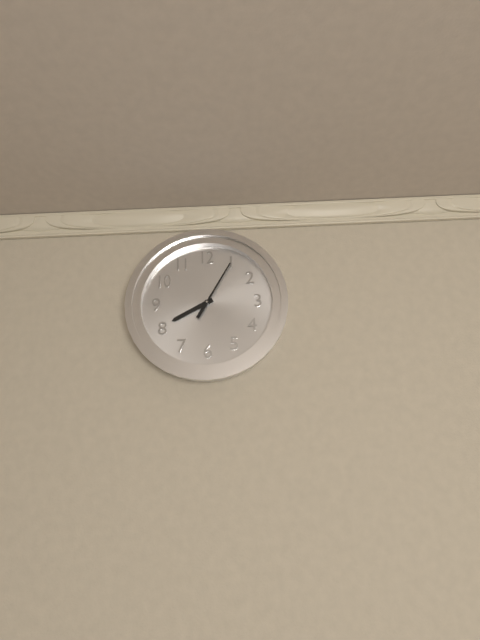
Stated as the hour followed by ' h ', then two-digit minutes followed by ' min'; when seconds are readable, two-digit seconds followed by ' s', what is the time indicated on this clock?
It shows 8 h 05 min
